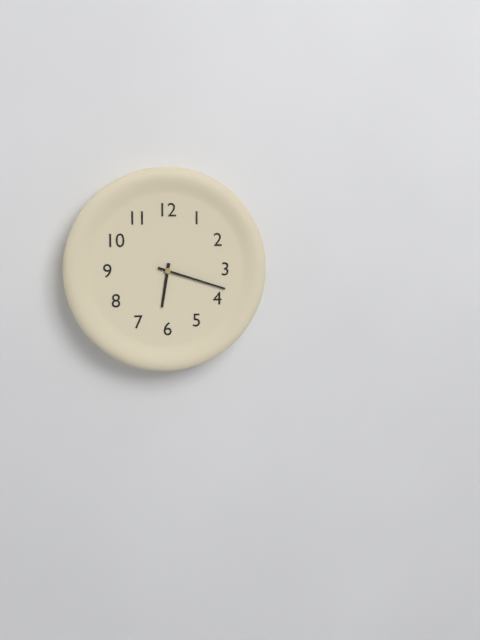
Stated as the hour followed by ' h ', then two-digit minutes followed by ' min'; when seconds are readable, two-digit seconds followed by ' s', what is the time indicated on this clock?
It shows 6 h 18 min
